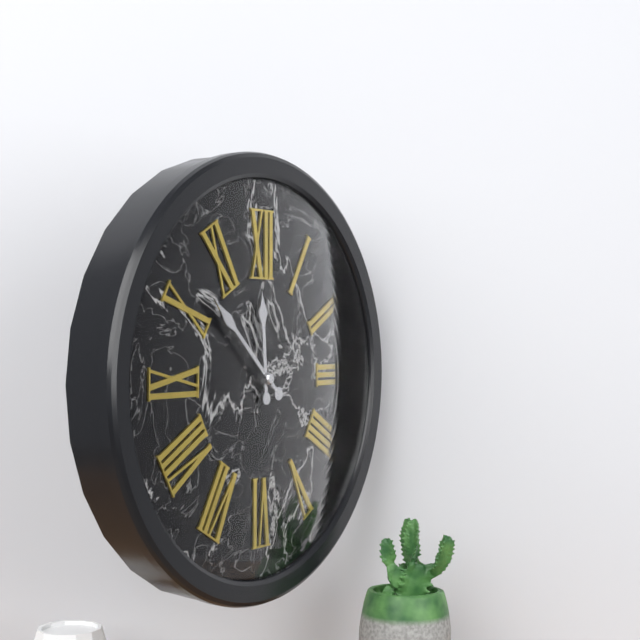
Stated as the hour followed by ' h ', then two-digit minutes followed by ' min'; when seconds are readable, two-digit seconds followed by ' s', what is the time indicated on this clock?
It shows 11 h 52 min
